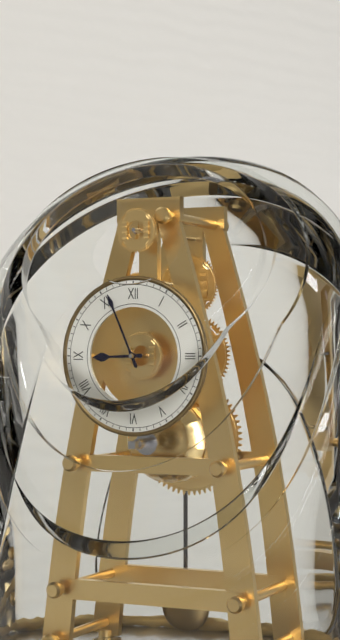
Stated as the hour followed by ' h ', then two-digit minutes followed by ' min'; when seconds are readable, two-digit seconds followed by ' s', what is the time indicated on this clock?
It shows 8 h 56 min
